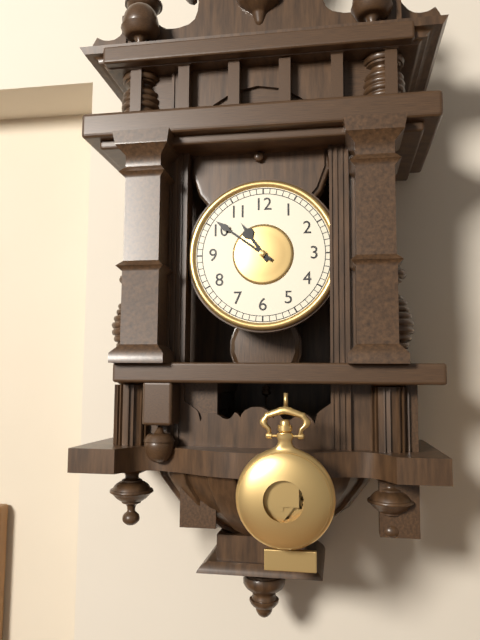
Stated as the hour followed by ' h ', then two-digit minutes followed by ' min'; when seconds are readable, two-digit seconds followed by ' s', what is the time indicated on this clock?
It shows 10 h 51 min
